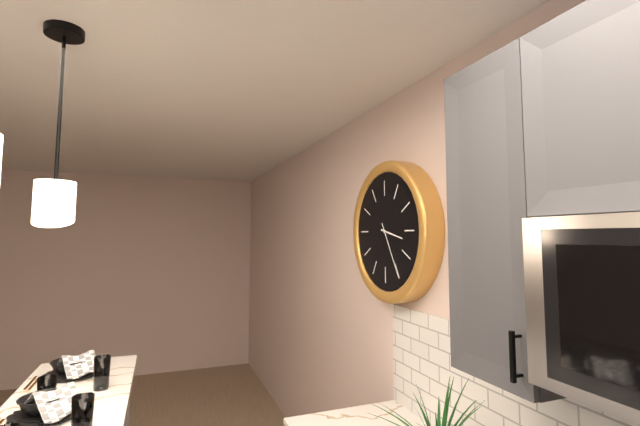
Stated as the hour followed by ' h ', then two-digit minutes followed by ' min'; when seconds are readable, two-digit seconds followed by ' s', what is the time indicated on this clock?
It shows 3 h 25 min
